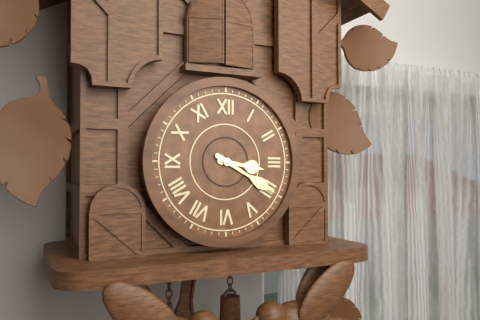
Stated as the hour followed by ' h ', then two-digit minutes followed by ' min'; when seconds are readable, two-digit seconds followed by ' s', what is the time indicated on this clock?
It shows 3 h 20 min
